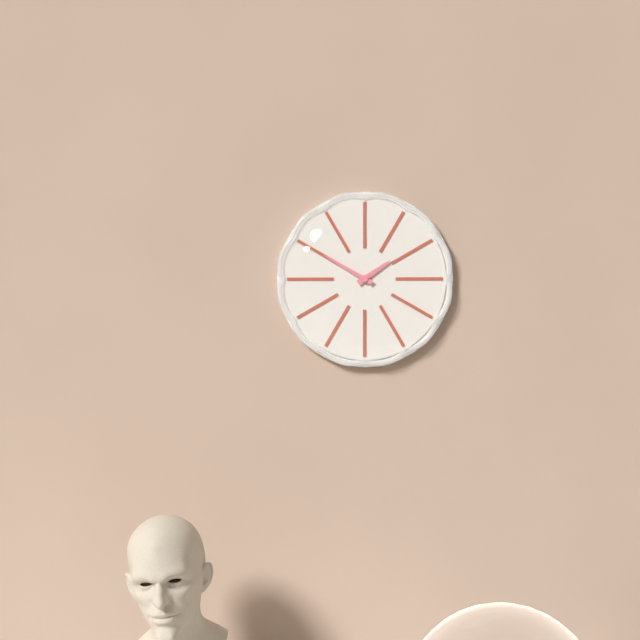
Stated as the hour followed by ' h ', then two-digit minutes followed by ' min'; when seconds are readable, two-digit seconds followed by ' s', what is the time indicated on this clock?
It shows 1 h 50 min
